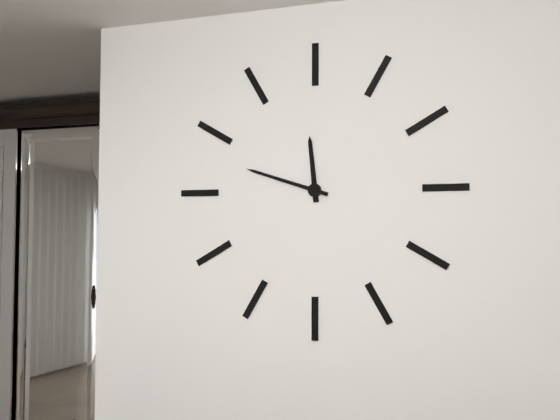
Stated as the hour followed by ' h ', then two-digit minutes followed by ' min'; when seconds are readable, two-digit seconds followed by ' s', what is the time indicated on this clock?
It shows 11 h 48 min
